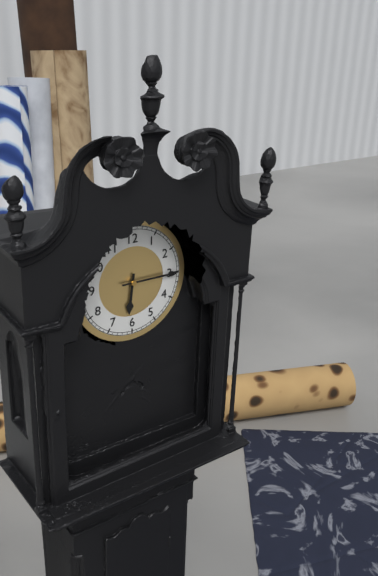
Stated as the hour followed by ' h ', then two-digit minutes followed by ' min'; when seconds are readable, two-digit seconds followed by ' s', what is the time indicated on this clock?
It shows 6 h 15 min
